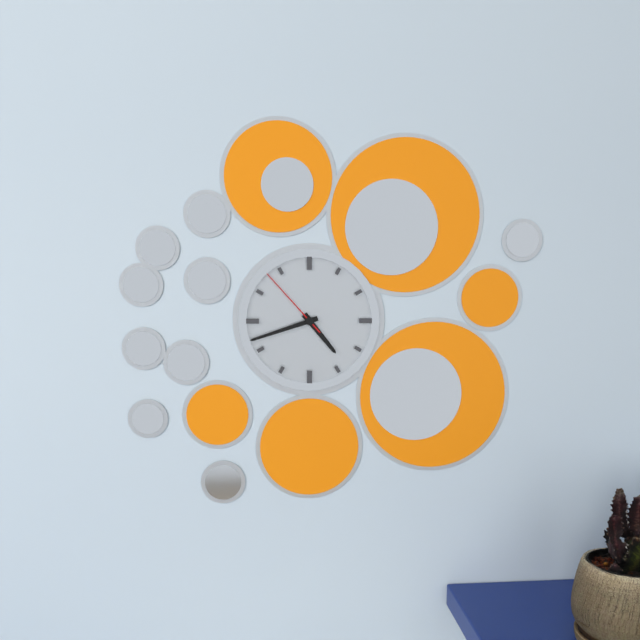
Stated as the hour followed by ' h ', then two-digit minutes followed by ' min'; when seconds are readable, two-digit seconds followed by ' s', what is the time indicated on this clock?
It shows 4 h 42 min 53 s
